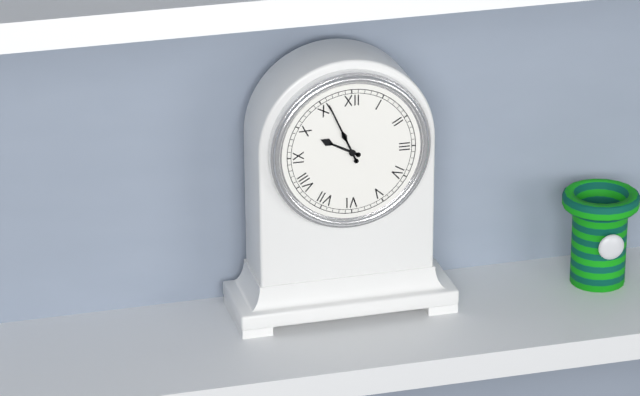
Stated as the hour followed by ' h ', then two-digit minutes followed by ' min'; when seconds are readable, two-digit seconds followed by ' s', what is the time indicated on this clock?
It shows 9 h 56 min
